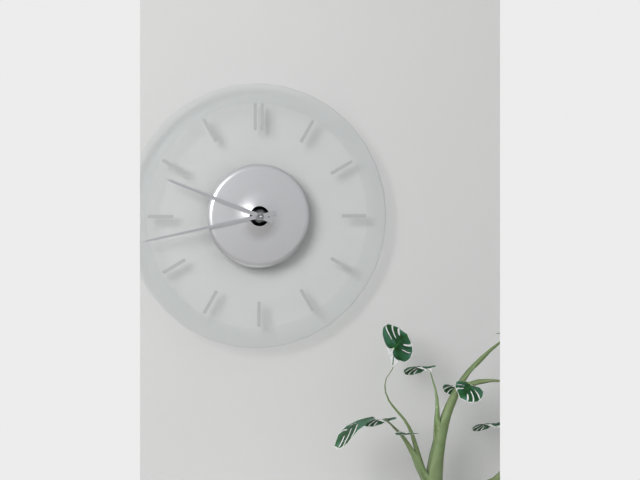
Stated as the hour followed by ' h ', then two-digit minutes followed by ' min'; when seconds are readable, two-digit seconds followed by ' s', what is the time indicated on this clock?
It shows 9 h 43 min
